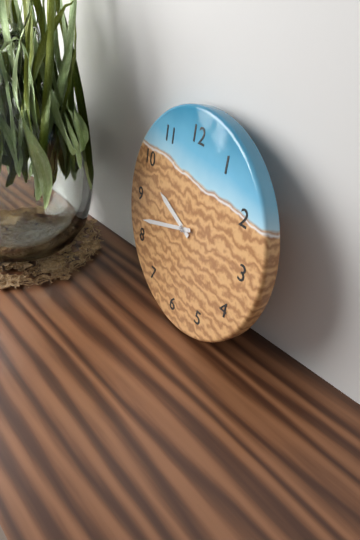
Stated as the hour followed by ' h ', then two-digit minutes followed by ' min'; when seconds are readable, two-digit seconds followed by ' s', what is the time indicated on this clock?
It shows 9 h 42 min
